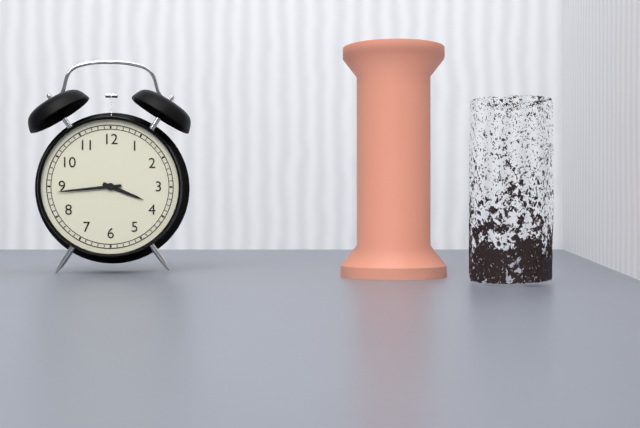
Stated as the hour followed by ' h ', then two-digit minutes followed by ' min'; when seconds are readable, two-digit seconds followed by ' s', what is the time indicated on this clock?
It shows 3 h 44 min
